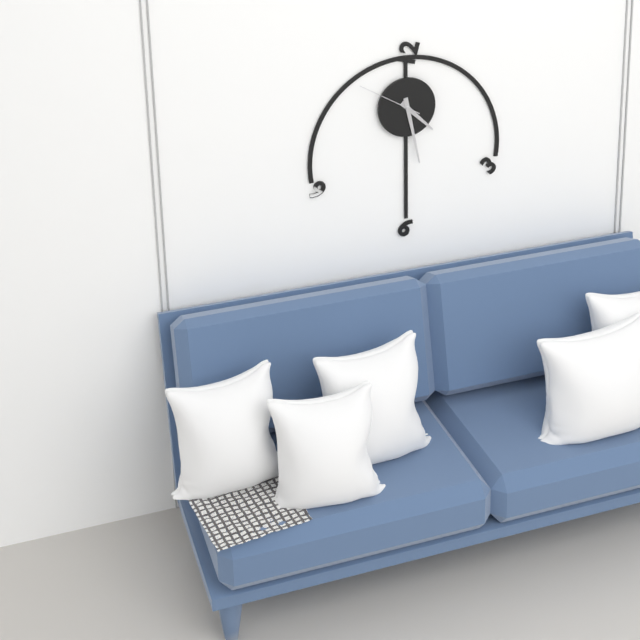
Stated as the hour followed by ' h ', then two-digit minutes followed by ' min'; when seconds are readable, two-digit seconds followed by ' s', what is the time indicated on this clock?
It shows 4 h 28 min 50 s
